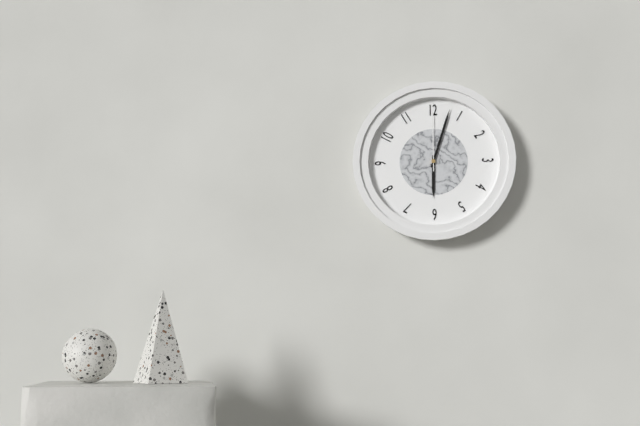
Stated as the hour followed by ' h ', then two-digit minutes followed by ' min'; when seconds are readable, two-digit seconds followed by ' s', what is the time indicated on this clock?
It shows 6 h 03 min 00 s
